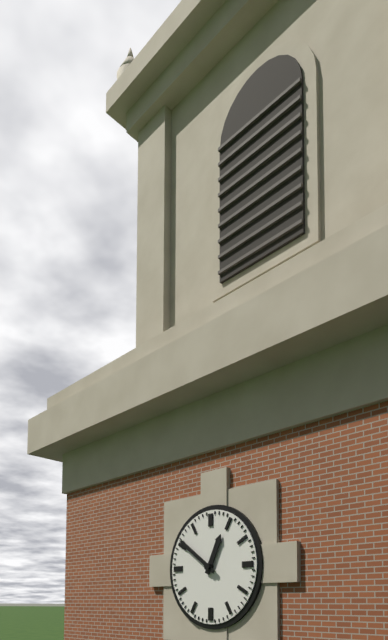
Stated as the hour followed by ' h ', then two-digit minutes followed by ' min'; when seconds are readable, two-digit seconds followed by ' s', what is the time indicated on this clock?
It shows 12 h 51 min
